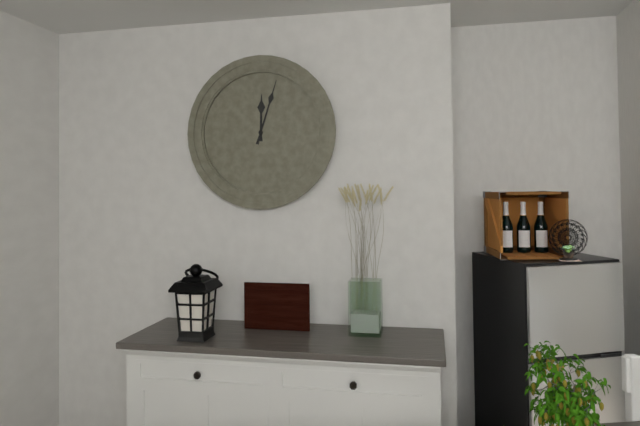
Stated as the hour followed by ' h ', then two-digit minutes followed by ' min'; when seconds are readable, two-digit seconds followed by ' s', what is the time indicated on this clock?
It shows 12 h 03 min
